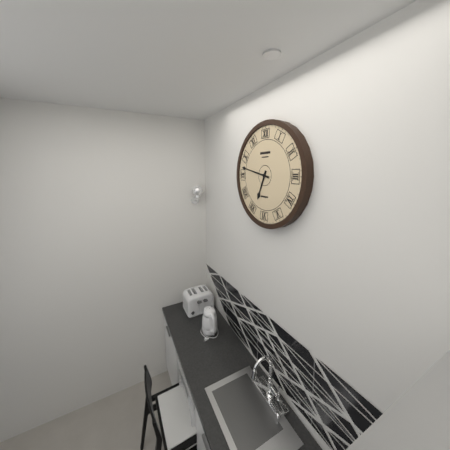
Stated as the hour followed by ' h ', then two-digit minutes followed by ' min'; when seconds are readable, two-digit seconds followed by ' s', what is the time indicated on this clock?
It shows 6 h 47 min
